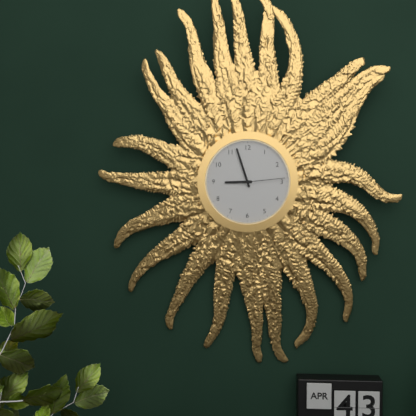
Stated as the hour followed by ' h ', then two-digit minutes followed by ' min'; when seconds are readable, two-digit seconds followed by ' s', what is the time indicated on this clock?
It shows 8 h 57 min
